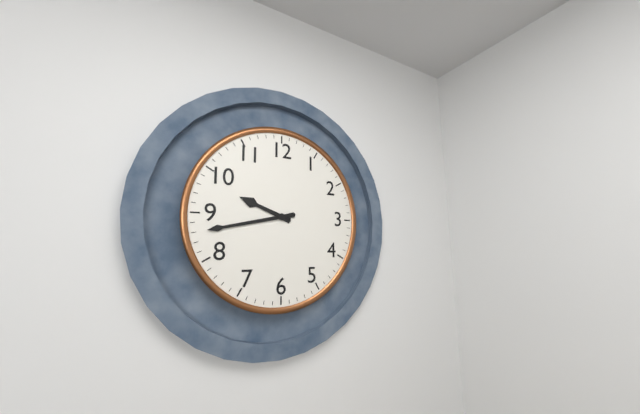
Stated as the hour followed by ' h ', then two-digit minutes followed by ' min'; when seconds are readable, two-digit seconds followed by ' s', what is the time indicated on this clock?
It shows 9 h 43 min
